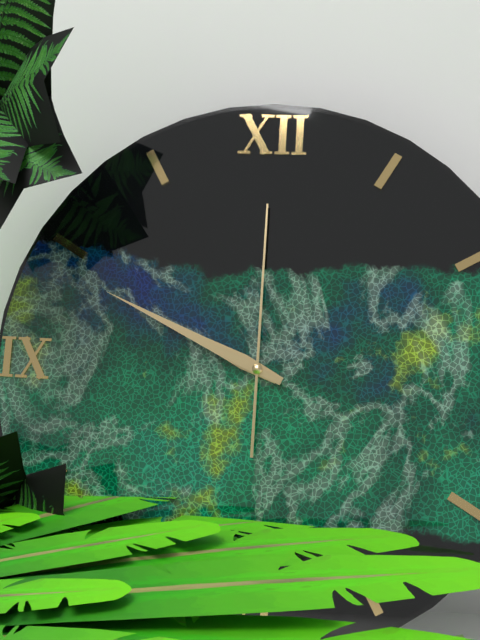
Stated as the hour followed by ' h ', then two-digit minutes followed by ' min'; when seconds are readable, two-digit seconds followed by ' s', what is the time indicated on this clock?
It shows 9 h 49 min 00 s
